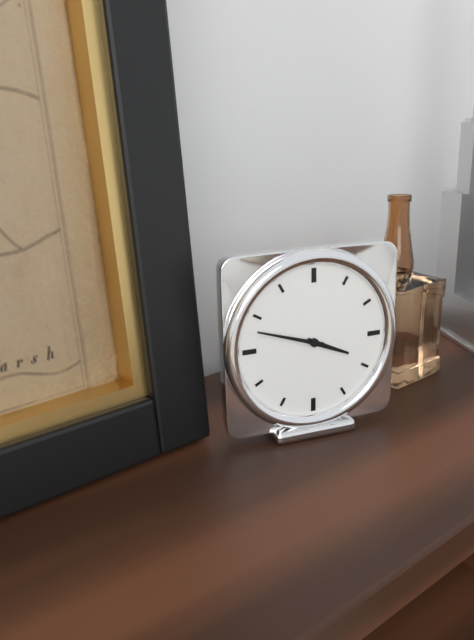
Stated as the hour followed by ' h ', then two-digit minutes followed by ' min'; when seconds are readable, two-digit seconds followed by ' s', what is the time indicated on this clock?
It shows 3 h 48 min
